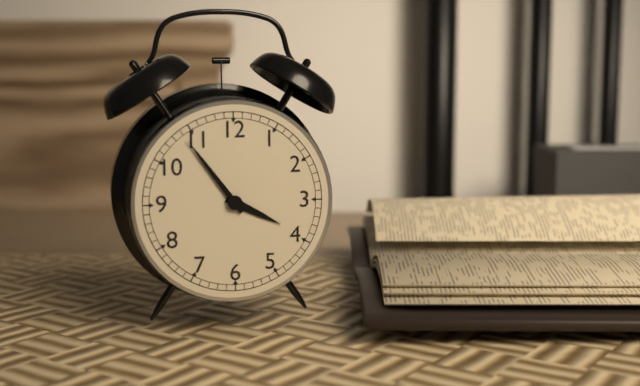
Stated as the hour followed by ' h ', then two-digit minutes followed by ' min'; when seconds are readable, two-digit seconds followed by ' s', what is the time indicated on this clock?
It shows 3 h 54 min
